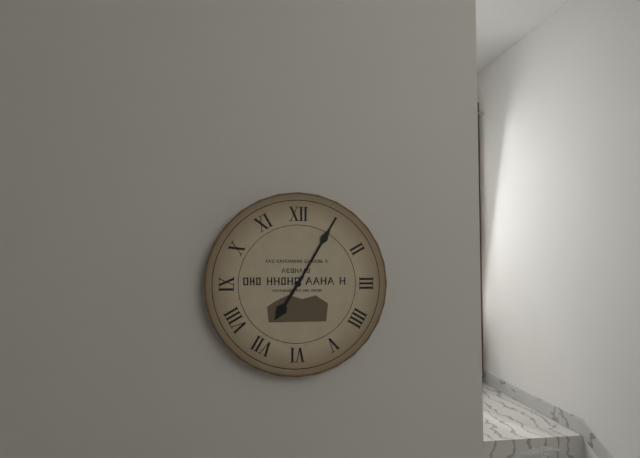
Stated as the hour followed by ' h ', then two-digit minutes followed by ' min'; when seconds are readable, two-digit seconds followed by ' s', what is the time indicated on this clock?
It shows 7 h 05 min
